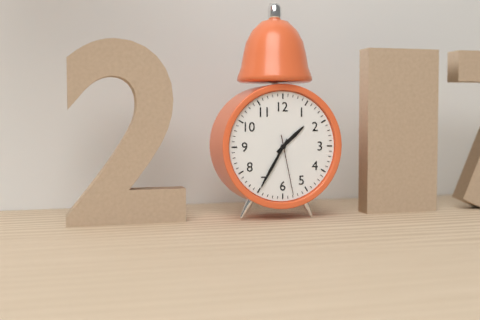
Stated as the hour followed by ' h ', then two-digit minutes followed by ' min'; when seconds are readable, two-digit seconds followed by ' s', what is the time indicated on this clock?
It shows 1 h 35 min 28 s
